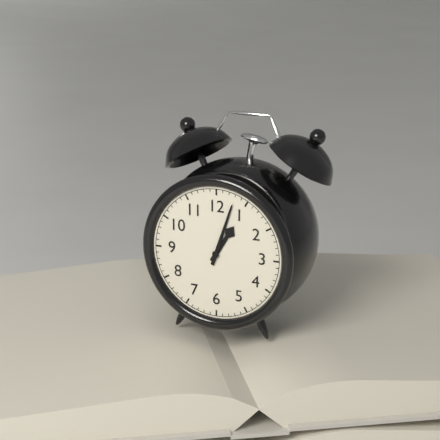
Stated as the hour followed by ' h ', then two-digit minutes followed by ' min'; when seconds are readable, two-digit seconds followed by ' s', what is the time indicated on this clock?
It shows 1 h 03 min
